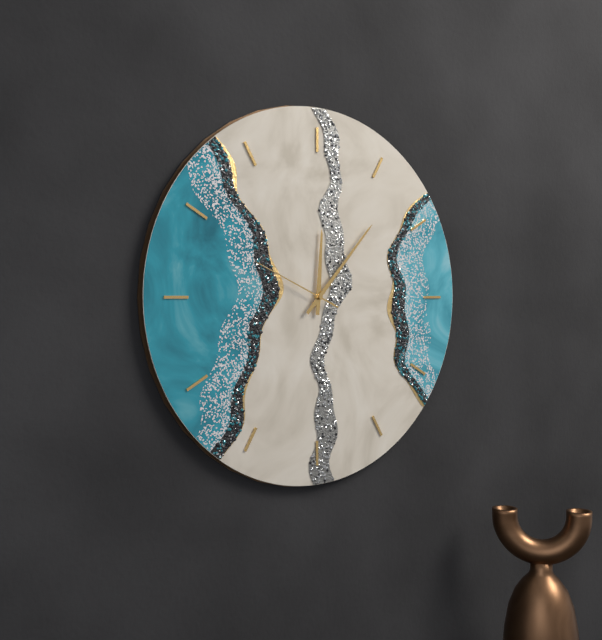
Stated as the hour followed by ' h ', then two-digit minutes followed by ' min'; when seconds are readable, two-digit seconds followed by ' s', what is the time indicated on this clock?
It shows 12 h 07 min 49 s
